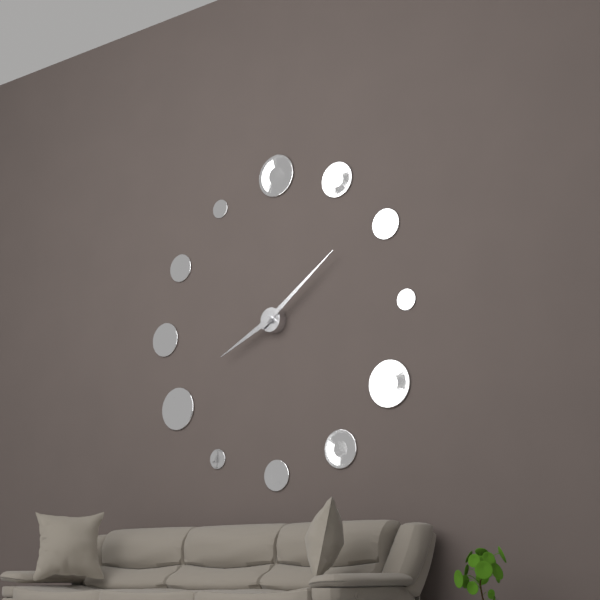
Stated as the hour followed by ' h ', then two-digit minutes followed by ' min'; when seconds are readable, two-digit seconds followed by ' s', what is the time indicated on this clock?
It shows 8 h 09 min
